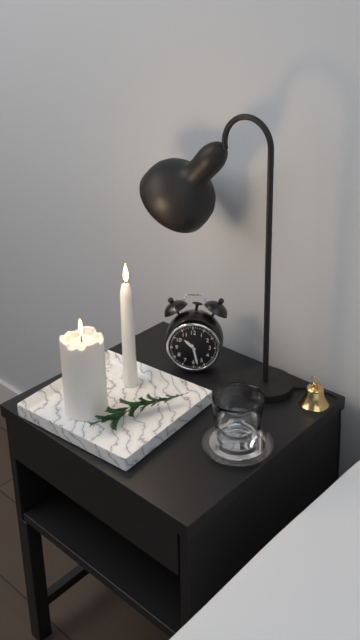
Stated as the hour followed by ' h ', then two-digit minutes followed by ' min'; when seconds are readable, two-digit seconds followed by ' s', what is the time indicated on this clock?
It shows 10 h 28 min
